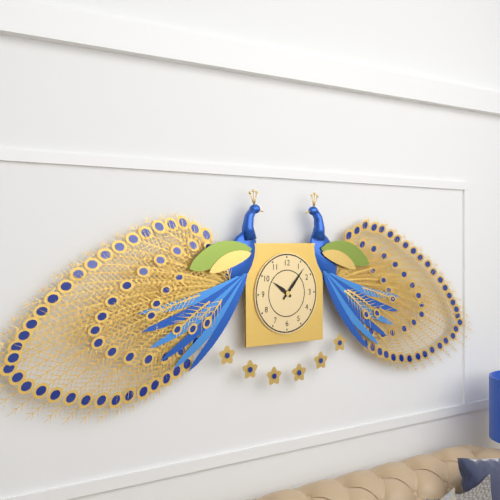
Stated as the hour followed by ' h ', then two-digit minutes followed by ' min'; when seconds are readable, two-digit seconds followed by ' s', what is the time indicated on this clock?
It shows 10 h 07 min
